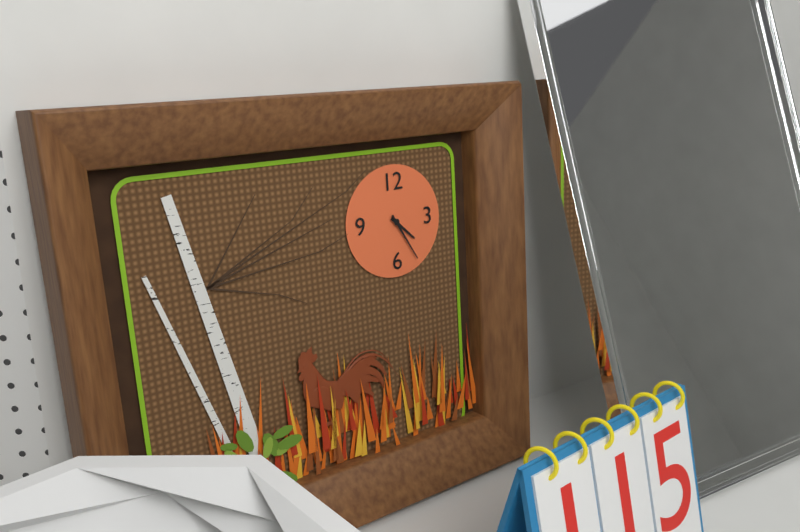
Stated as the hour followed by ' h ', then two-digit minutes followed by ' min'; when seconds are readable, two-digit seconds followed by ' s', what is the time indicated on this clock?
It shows 4 h 25 min
